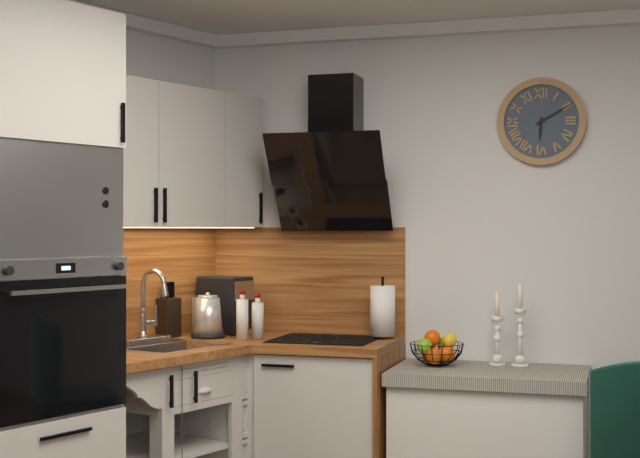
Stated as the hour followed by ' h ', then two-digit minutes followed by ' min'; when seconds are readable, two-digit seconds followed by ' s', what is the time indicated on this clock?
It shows 6 h 10 min
